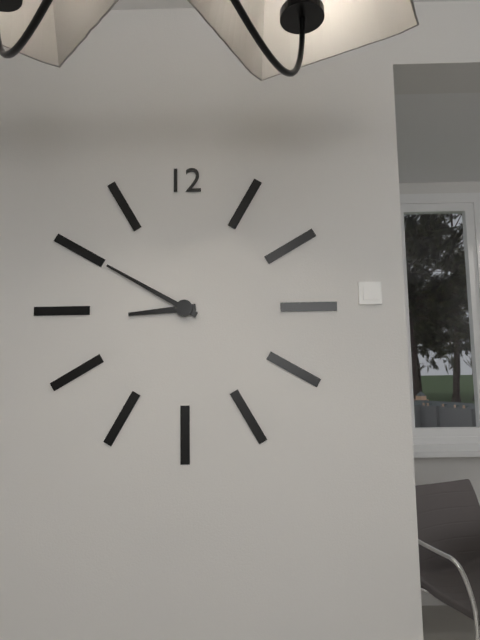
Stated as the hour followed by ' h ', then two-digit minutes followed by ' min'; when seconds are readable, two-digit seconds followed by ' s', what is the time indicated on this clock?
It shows 8 h 50 min
